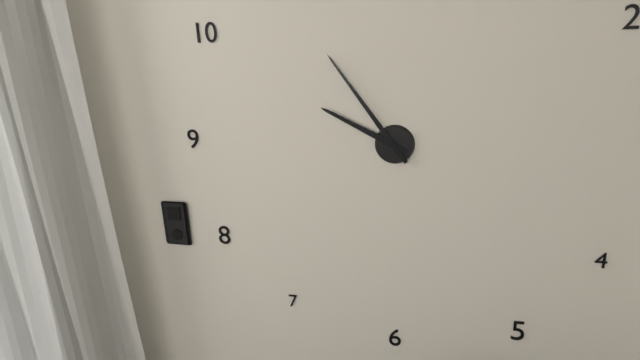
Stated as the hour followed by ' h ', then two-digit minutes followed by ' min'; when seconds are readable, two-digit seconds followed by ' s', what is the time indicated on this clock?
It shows 9 h 54 min
